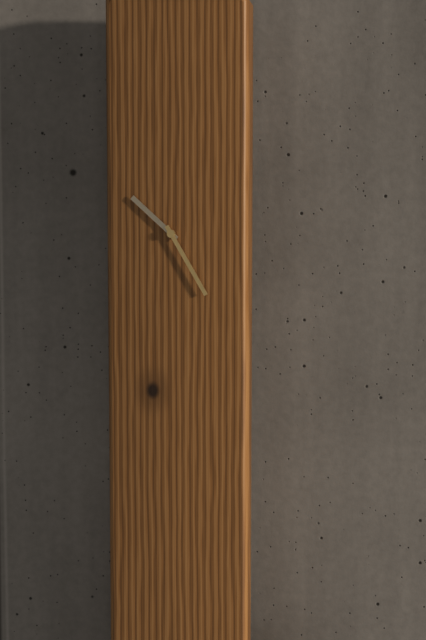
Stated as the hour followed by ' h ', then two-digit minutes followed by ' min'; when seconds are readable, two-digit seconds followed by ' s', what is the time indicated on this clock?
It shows 10 h 25 min
